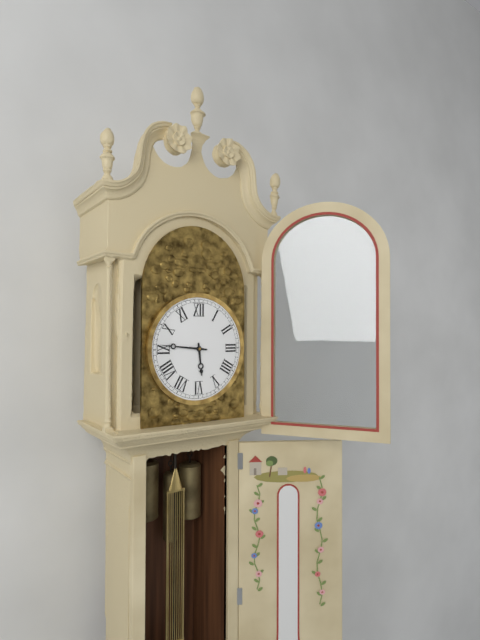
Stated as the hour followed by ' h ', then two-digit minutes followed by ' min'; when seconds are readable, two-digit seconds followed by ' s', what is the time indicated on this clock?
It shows 5 h 46 min
